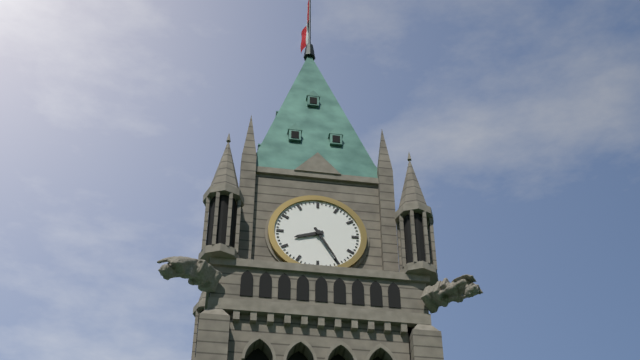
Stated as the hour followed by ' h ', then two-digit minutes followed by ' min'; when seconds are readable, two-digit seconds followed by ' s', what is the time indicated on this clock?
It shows 8 h 25 min
